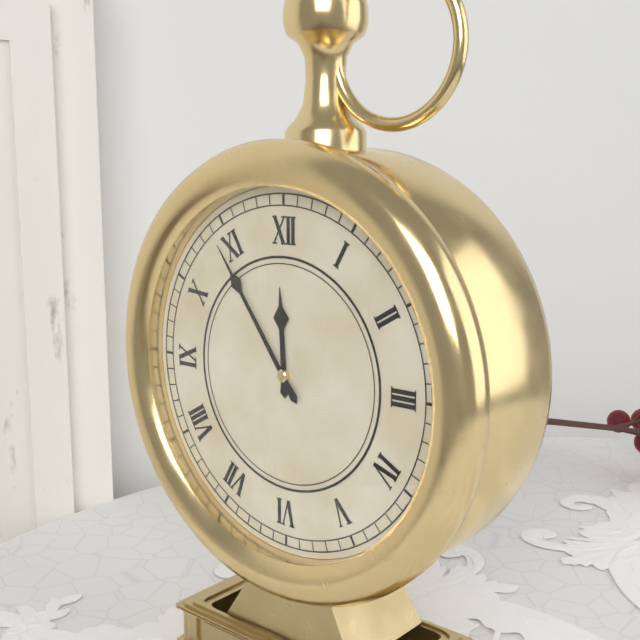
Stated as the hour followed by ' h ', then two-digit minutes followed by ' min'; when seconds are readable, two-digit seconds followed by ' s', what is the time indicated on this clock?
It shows 11 h 54 min
